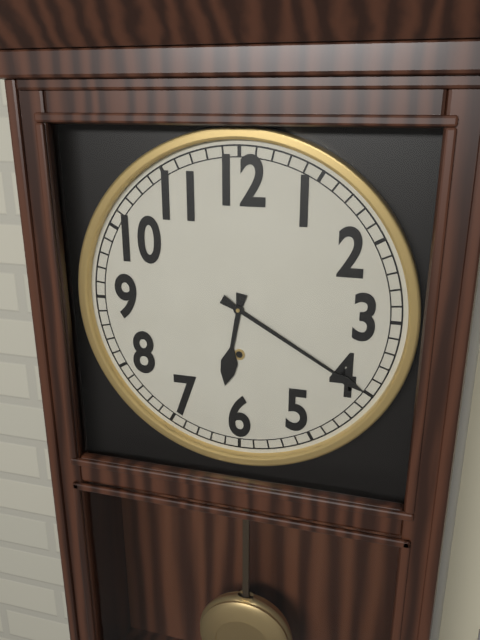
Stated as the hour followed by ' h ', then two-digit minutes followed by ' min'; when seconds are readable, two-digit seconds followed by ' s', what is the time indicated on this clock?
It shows 6 h 20 min
